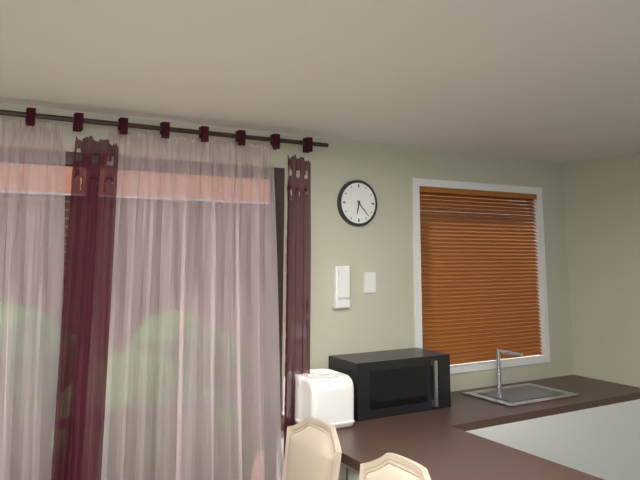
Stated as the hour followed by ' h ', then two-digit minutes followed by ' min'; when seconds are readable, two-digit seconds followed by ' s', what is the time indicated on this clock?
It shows 6 h 23 min
